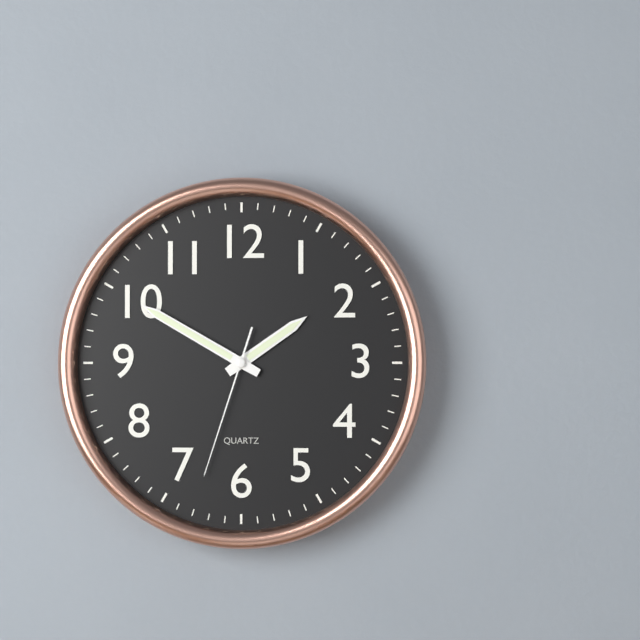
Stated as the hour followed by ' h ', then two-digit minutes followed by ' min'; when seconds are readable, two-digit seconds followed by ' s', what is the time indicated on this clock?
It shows 1 h 50 min 33 s
